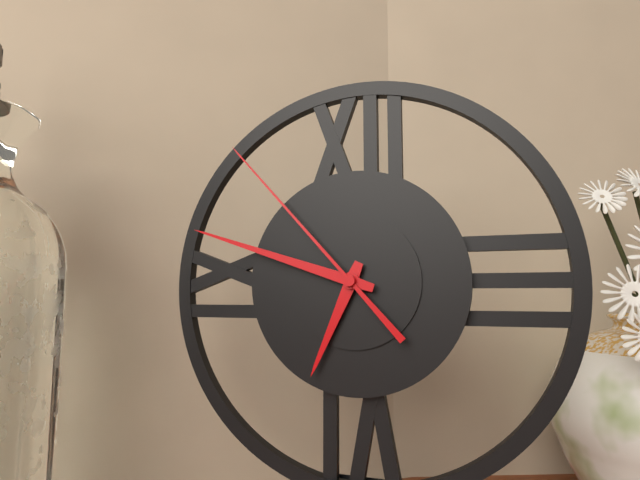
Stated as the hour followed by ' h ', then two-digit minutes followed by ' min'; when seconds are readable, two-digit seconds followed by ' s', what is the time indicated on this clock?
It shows 6 h 48 min 53 s
